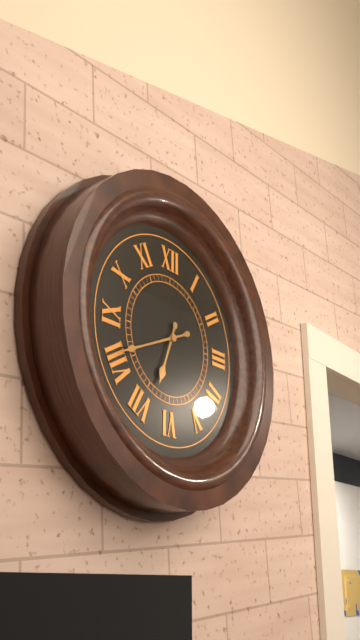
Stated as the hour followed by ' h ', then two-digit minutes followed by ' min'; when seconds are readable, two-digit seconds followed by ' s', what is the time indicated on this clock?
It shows 6 h 41 min
